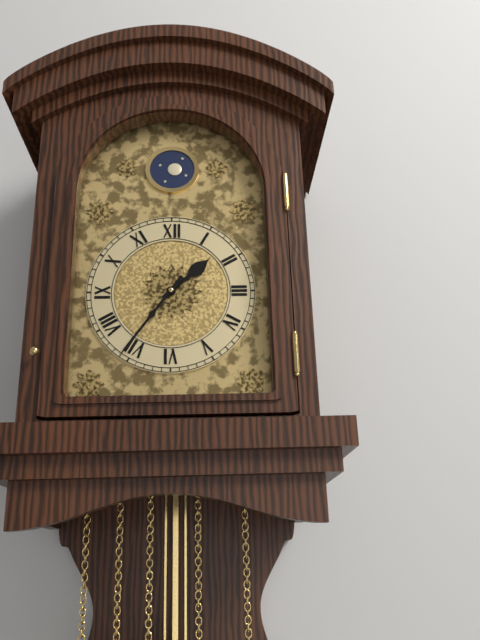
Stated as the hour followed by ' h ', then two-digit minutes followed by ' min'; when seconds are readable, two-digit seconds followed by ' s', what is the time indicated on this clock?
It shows 1 h 36 min
